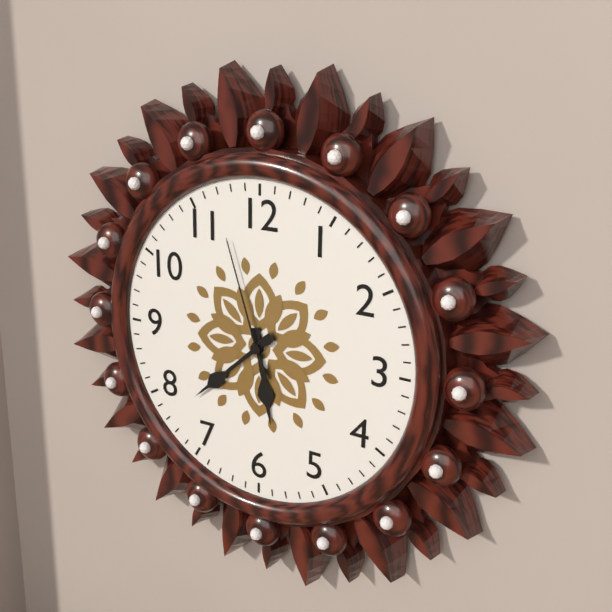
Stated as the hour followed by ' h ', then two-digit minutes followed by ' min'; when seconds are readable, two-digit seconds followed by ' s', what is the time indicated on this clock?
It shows 5 h 38 min 57 s
